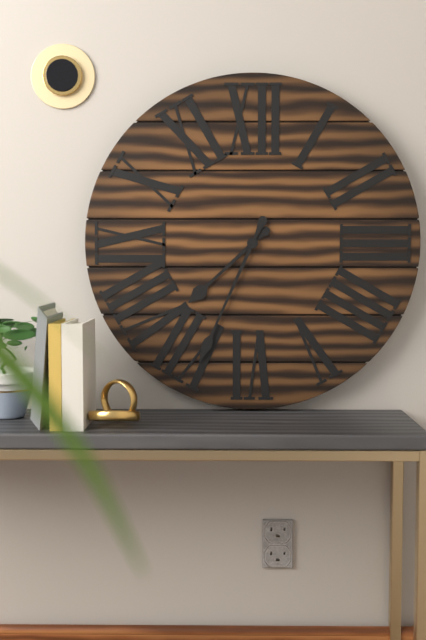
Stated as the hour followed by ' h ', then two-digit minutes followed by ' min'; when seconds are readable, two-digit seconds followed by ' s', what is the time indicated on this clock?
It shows 7 h 34 min
